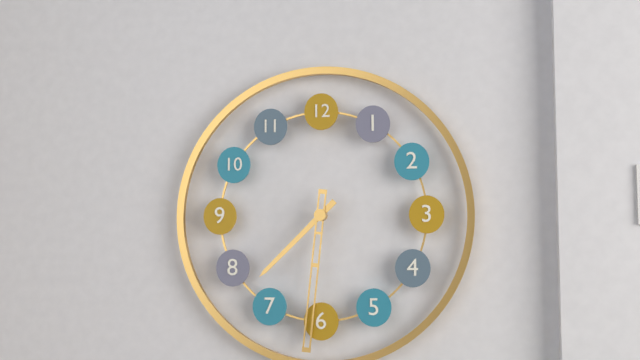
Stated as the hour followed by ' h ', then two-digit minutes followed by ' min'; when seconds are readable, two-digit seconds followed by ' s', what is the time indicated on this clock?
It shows 7 h 31 min
